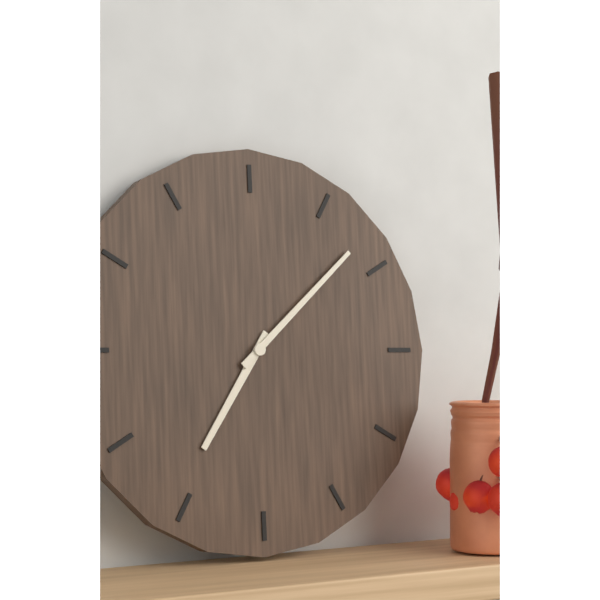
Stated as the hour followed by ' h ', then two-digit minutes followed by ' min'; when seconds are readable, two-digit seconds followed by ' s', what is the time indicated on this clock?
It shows 7 h 08 min
